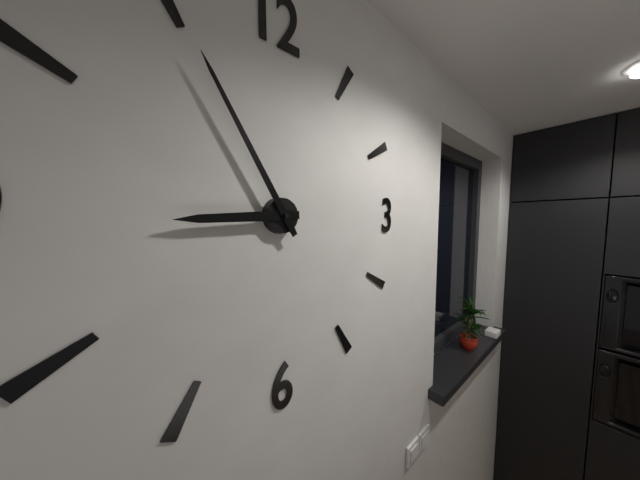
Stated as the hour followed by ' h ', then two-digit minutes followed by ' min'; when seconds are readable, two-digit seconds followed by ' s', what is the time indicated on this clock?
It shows 8 h 55 min
